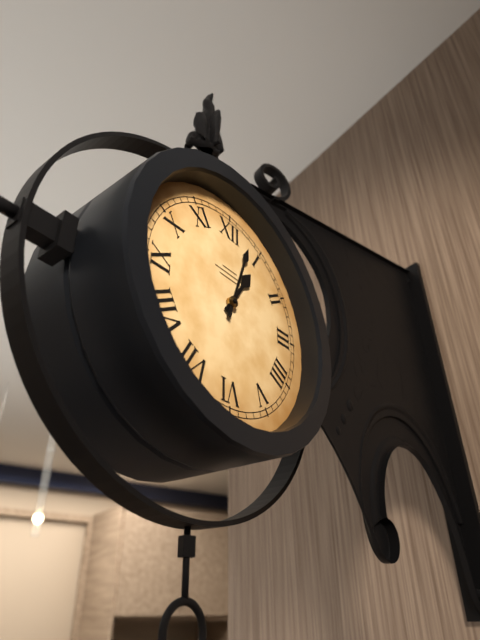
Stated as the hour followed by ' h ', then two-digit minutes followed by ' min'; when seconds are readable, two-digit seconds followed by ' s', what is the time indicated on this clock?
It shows 1 h 03 min
